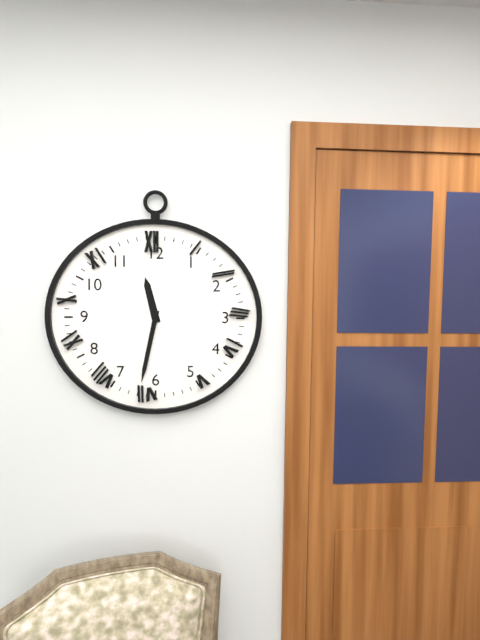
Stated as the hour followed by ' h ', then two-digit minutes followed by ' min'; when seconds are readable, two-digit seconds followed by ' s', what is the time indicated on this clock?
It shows 11 h 32 min
